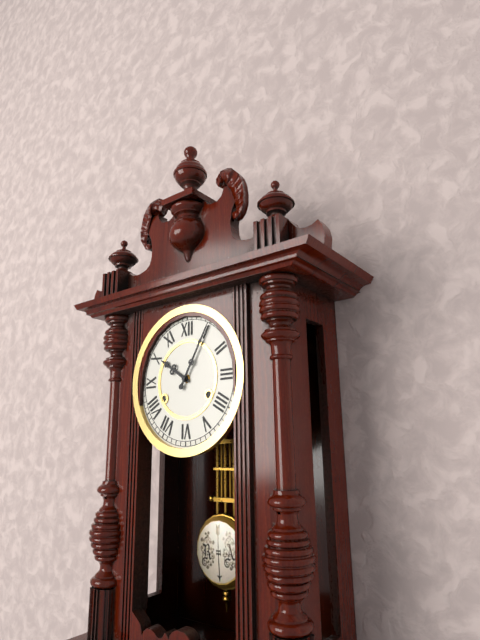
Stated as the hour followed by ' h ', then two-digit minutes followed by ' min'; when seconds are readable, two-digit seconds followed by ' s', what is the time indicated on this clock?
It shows 10 h 05 min
